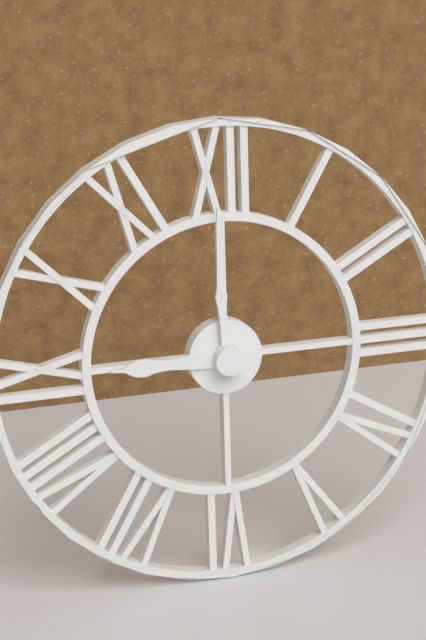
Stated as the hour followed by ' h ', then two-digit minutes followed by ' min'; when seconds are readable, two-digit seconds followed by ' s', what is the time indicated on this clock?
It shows 8 h 59 min
